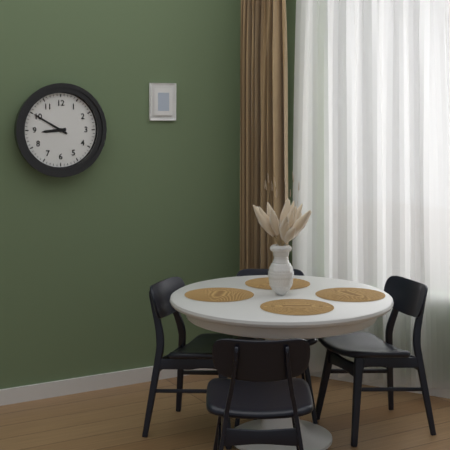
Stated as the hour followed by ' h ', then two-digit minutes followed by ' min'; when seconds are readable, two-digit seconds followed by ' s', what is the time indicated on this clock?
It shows 8 h 50 min
